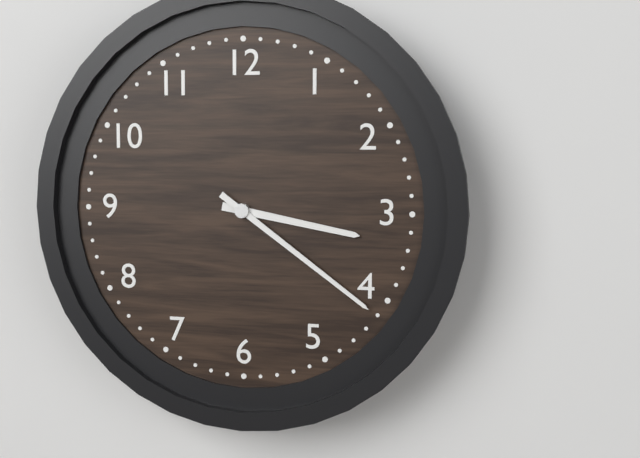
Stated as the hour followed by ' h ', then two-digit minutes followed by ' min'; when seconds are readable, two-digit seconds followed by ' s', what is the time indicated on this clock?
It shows 3 h 21 min
